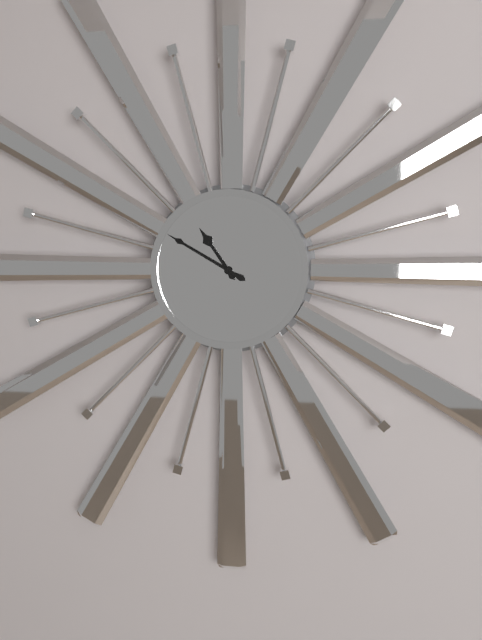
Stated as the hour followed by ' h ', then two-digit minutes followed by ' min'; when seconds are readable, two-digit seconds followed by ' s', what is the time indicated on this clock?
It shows 10 h 50 min
